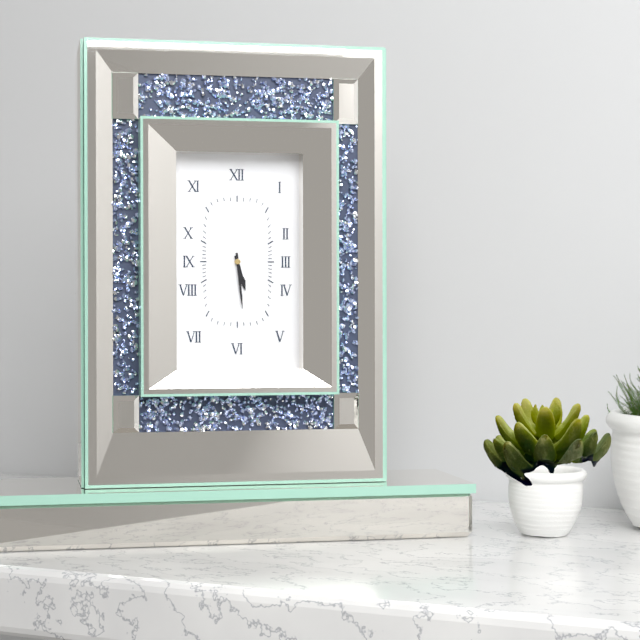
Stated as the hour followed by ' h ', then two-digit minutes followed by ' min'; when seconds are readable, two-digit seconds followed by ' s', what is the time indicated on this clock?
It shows 5 h 29 min
